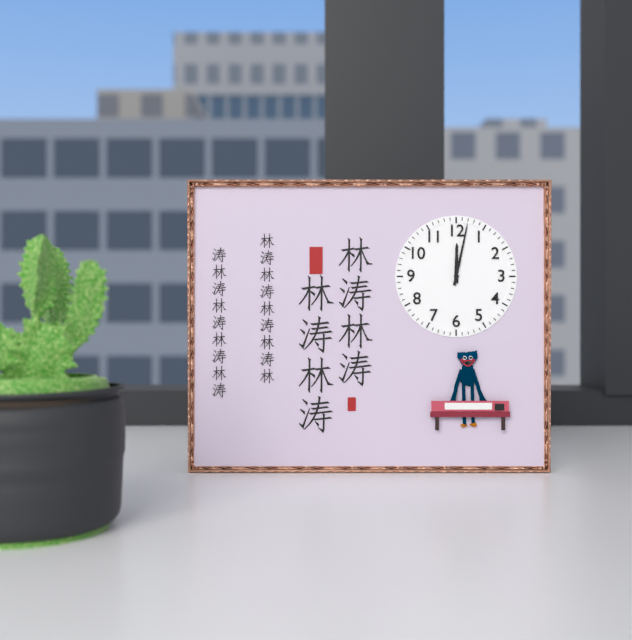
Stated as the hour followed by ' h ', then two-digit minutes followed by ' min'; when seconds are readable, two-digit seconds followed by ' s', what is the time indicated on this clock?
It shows 12 h 02 min
